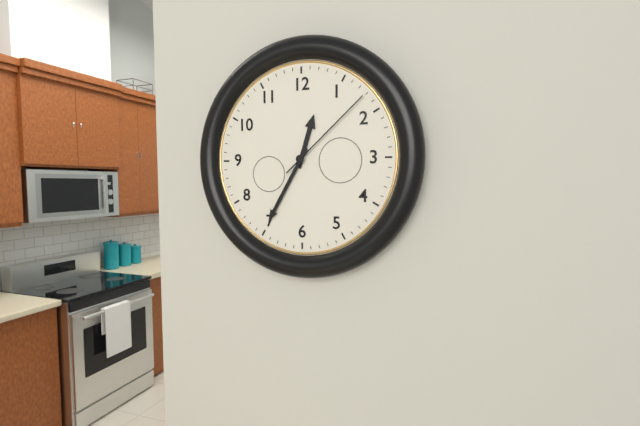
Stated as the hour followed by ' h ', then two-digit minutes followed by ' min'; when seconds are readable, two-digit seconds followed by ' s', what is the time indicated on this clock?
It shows 12 h 35 min 08 s
